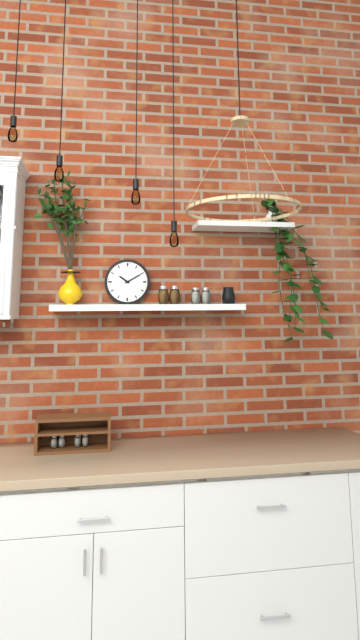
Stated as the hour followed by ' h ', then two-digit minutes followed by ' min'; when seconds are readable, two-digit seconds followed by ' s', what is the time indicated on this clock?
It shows 10 h 10 min
